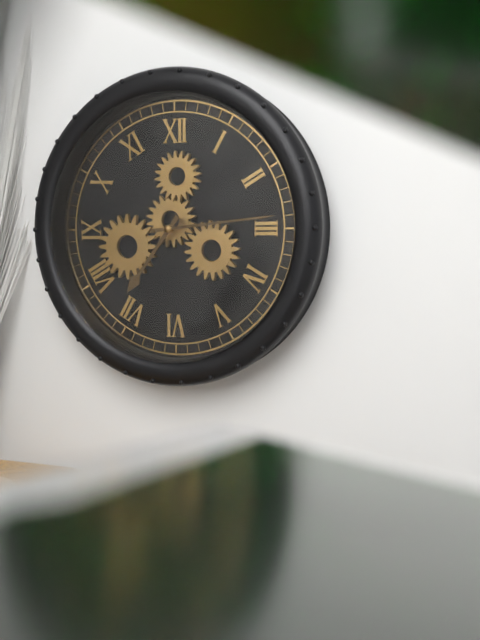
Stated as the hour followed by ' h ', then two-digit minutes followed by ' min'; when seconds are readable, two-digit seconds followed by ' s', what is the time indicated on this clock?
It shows 7 h 14 min
